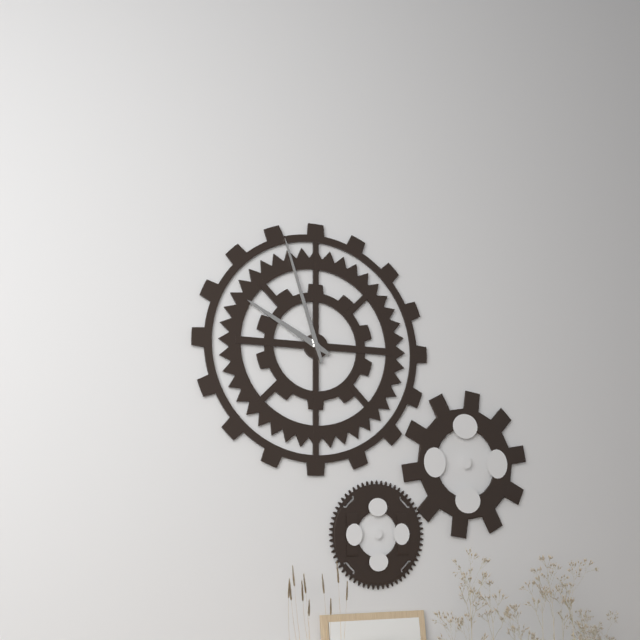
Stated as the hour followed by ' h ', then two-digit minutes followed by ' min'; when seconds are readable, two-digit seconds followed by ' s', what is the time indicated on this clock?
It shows 9 h 57 min
